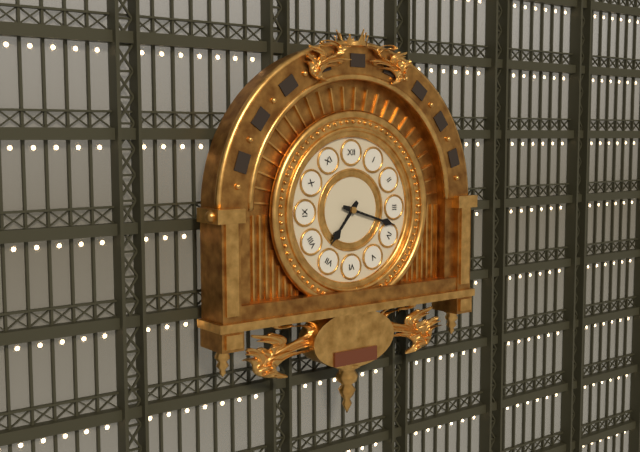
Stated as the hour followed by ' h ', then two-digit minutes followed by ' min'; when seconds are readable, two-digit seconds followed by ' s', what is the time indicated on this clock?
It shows 7 h 18 min
